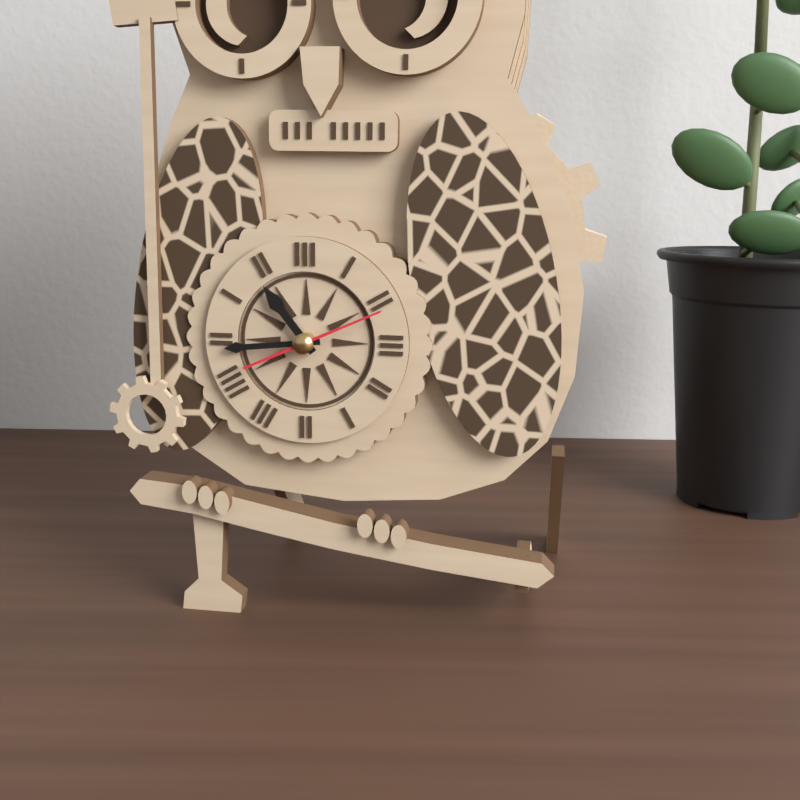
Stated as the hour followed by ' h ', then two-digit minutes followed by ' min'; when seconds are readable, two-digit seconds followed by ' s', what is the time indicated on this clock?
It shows 10 h 44 min 11 s
